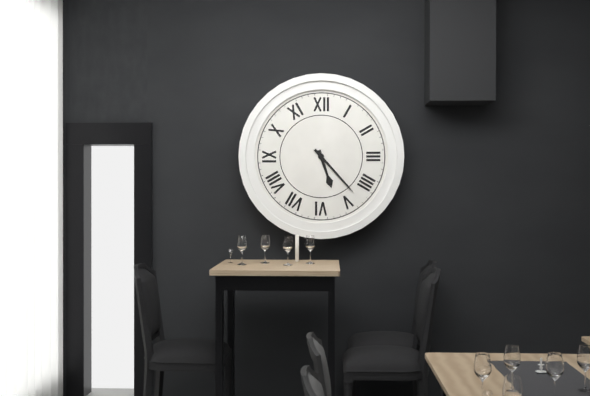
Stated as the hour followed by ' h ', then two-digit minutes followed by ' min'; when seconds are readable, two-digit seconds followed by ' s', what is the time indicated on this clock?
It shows 5 h 23 min
